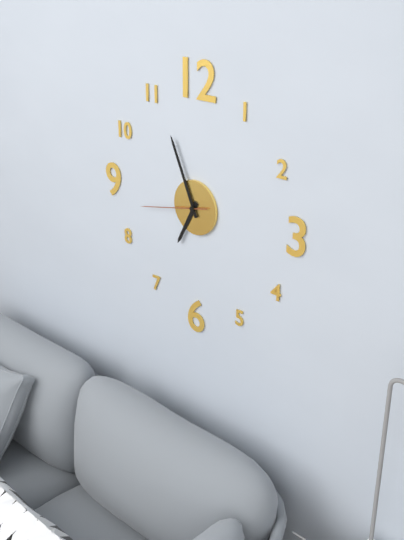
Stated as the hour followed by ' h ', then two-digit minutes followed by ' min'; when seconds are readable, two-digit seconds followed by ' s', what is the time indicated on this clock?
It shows 6 h 56 min 43 s
